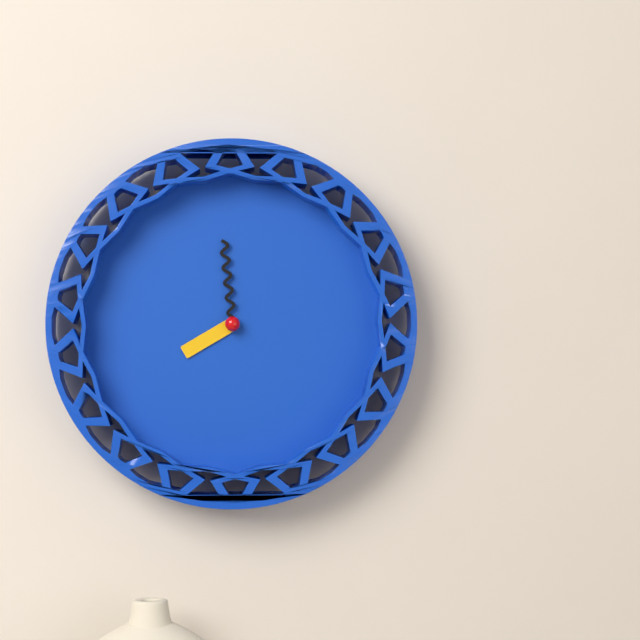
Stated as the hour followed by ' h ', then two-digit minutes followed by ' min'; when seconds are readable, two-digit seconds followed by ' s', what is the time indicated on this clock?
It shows 7 h 59 min
